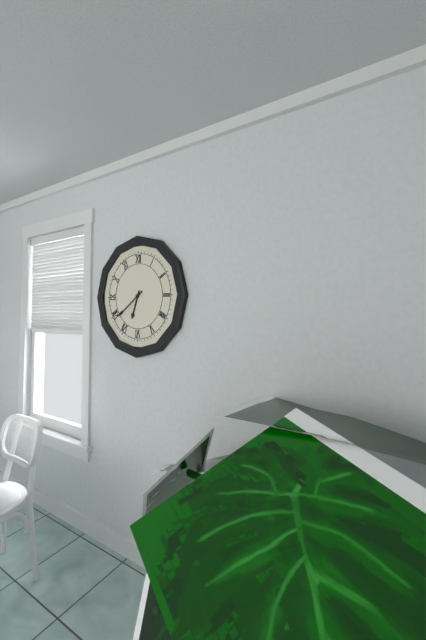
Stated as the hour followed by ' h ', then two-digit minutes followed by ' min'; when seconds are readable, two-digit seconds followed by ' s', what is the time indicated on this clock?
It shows 6 h 39 min
